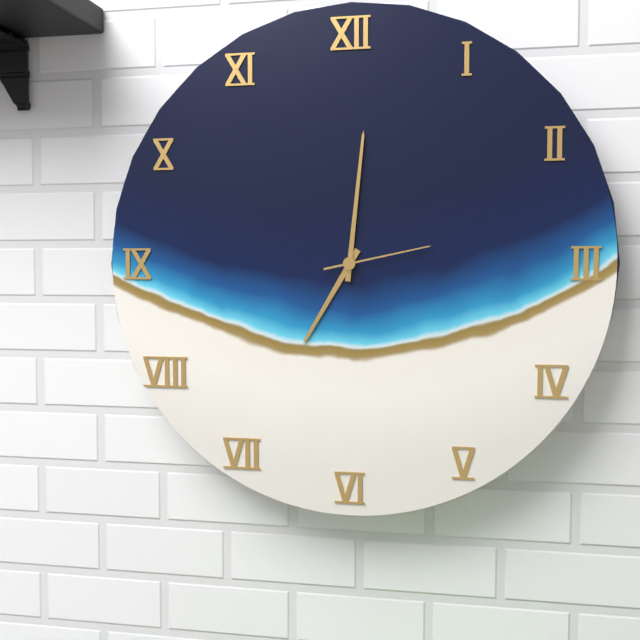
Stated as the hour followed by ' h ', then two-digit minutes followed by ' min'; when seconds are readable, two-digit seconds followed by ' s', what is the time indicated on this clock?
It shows 7 h 01 min 13 s
